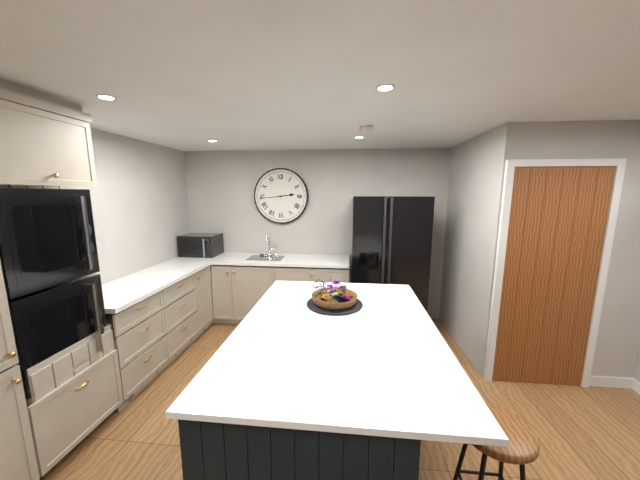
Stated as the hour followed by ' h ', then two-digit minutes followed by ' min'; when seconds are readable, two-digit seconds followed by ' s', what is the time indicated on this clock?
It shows 2 h 44 min
